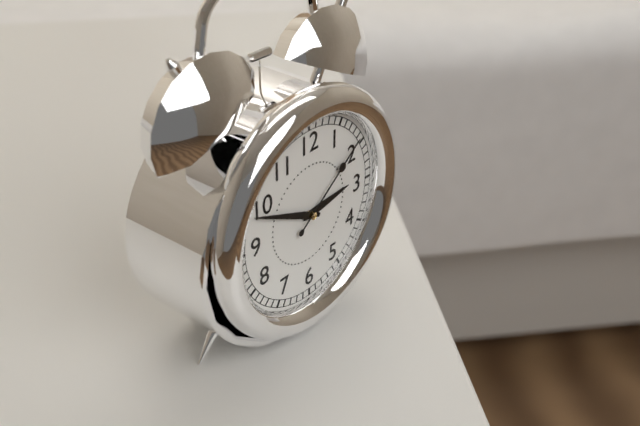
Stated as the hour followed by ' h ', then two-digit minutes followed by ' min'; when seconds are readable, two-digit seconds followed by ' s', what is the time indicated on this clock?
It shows 2 h 49 min 09 s
